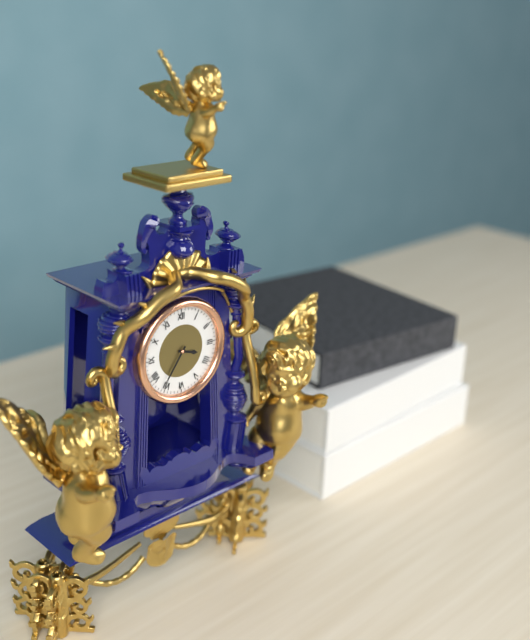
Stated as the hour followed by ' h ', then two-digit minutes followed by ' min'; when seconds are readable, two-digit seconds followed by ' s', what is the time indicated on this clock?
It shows 3 h 36 min
